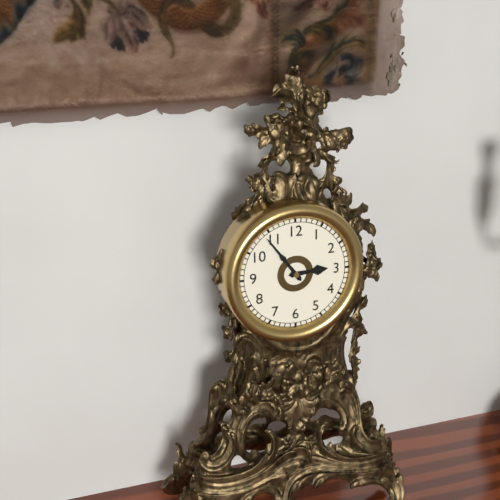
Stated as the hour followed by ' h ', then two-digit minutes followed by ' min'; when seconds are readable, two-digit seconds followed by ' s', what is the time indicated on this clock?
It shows 2 h 54 min
